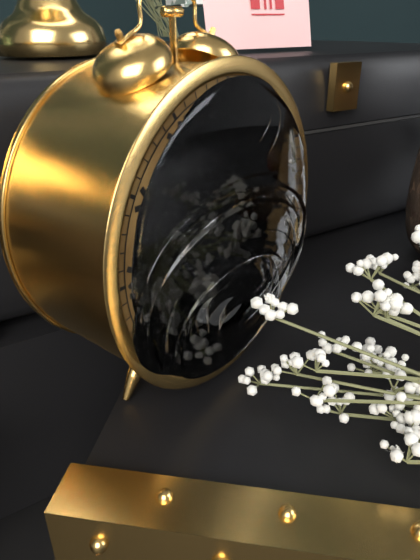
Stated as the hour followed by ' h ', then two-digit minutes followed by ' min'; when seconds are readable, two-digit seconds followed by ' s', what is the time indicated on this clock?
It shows 12 h 54 min
